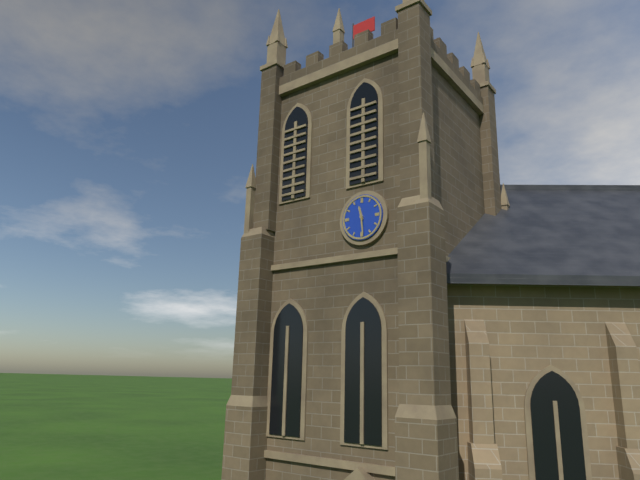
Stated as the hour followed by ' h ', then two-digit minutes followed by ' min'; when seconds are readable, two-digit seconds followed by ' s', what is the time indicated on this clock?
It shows 11 h 29 min
